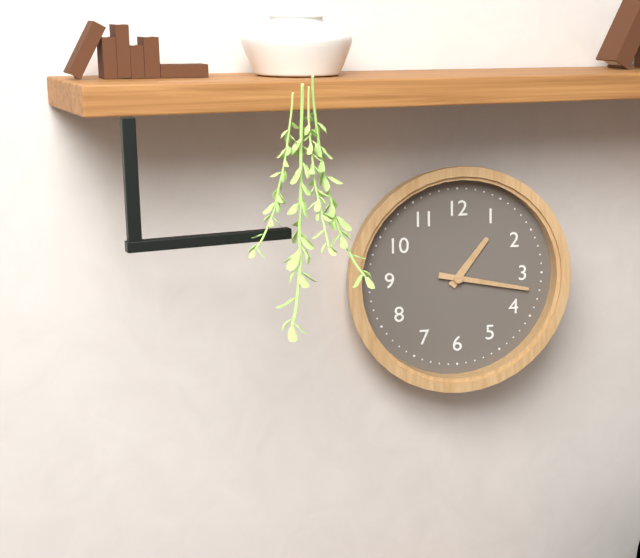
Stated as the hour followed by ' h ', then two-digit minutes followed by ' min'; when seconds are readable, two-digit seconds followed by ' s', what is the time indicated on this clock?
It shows 1 h 17 min
